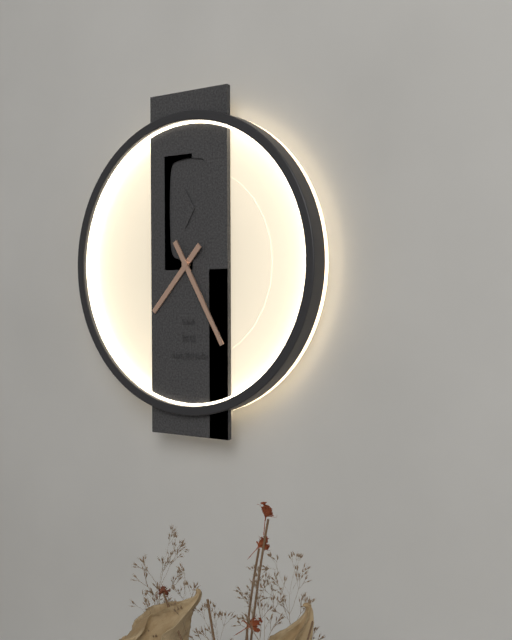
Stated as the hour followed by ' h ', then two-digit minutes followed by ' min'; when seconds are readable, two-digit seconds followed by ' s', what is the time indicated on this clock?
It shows 7 h 25 min
